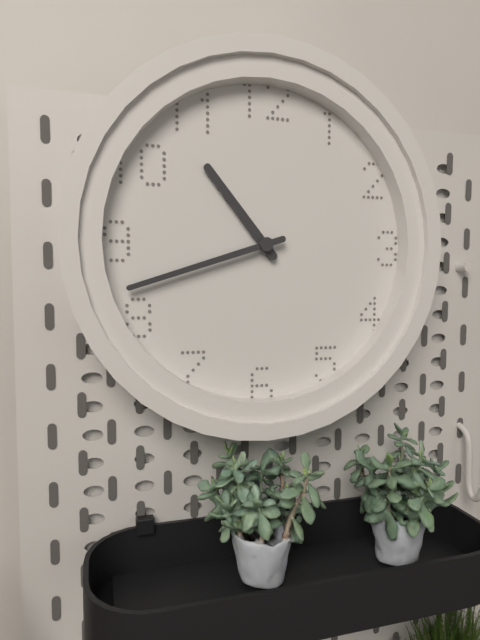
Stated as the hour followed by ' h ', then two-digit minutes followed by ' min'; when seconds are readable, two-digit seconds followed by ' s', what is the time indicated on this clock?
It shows 10 h 42 min
